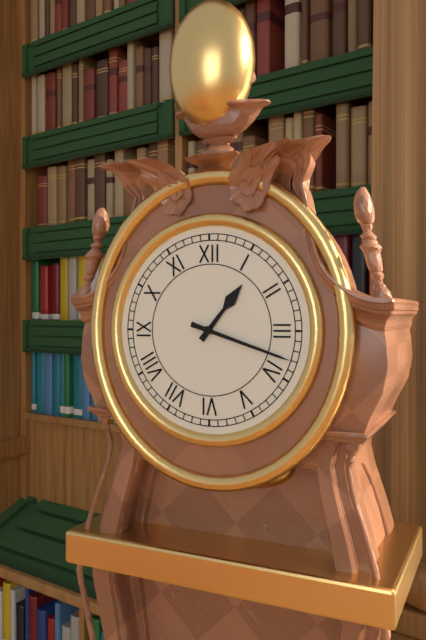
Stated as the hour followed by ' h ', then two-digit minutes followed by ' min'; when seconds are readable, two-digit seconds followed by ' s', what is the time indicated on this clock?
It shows 1 h 18 min
